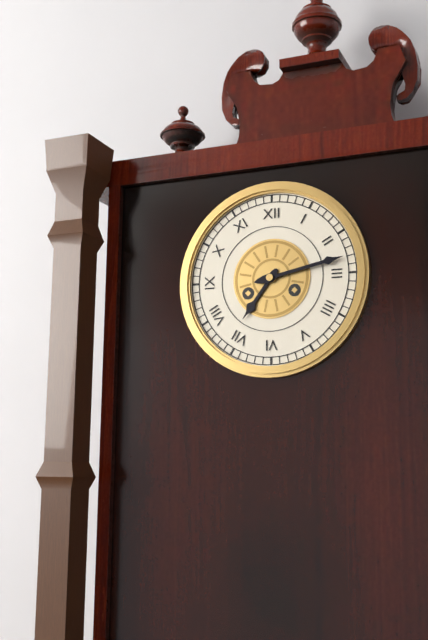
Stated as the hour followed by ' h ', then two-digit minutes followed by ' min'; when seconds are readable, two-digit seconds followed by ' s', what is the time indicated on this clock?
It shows 7 h 13 min
